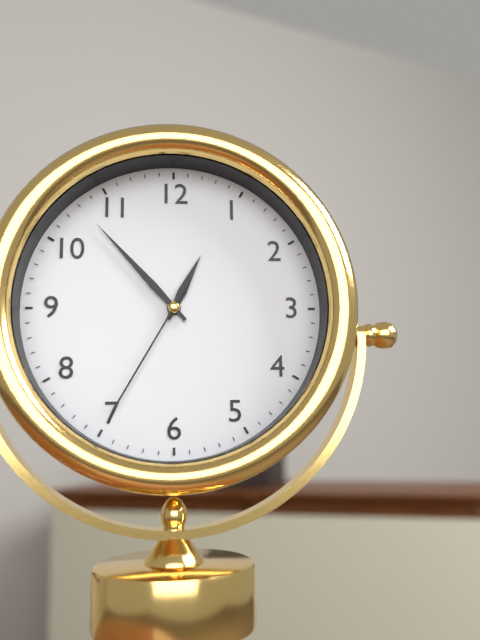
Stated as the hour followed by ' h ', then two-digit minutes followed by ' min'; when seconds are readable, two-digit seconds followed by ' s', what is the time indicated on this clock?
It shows 12 h 53 min 35 s
